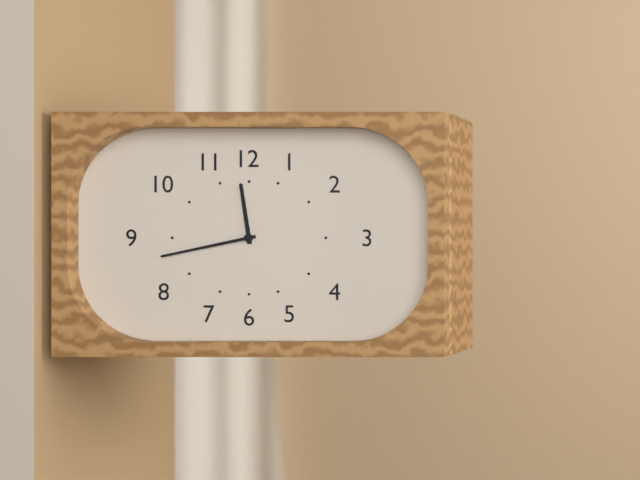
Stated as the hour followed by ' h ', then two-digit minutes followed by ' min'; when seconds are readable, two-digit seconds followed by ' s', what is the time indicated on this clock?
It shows 11 h 43 min
